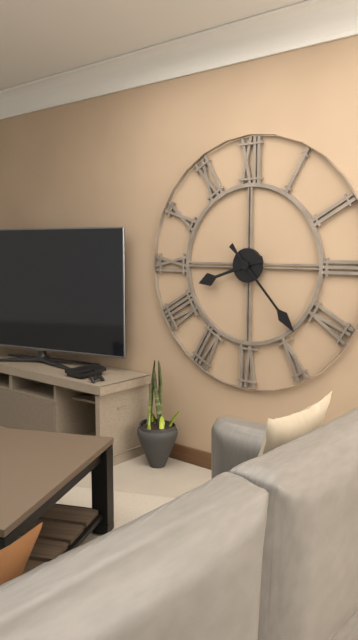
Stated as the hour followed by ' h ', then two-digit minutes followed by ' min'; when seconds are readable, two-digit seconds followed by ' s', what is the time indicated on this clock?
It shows 8 h 23 min
